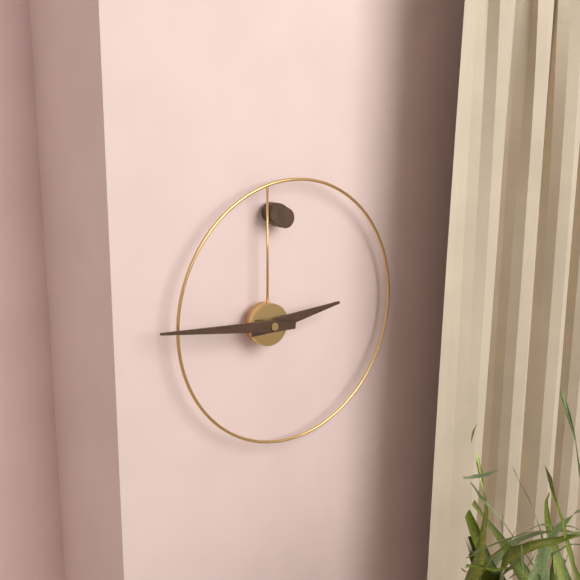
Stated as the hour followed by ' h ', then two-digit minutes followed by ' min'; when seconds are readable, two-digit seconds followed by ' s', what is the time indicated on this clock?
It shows 2 h 46 min
